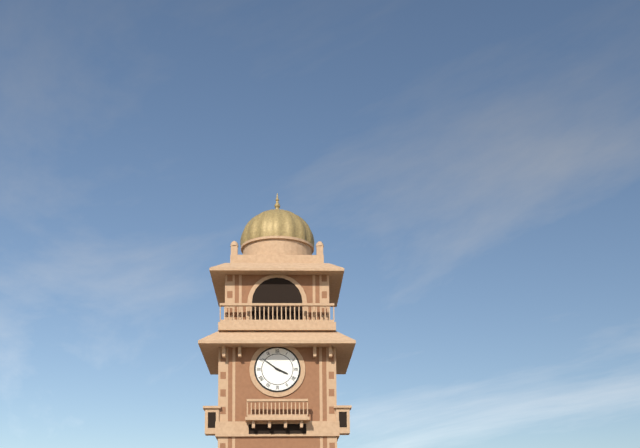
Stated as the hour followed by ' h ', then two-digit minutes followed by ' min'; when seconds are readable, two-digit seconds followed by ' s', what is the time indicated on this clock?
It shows 3 h 51 min
